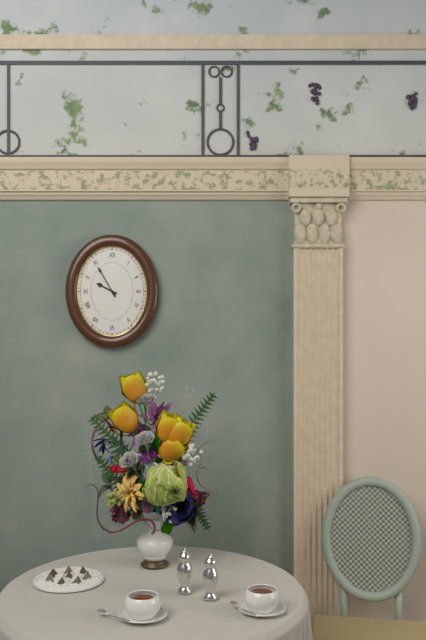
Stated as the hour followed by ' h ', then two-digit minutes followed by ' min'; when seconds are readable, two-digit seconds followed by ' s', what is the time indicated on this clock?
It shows 9 h 55 min
